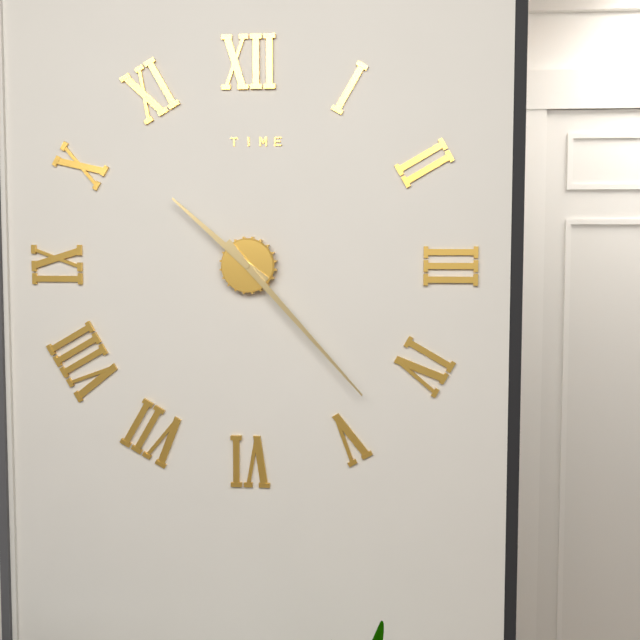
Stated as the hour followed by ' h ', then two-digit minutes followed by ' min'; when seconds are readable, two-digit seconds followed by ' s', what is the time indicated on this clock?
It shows 10 h 23 min
